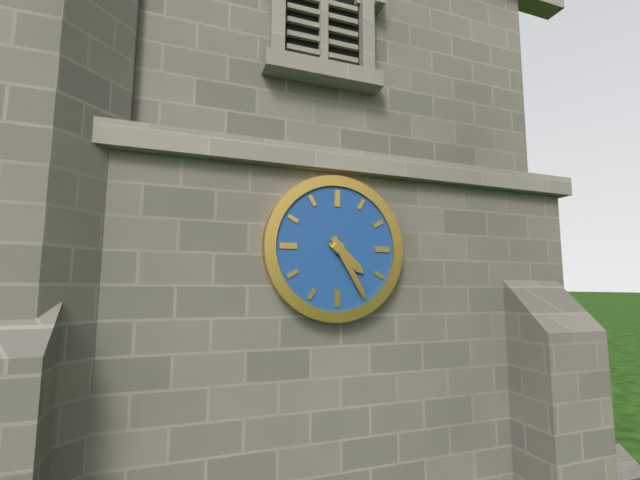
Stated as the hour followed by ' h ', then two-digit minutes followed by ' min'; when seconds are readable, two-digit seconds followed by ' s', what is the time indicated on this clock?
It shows 4 h 25 min
